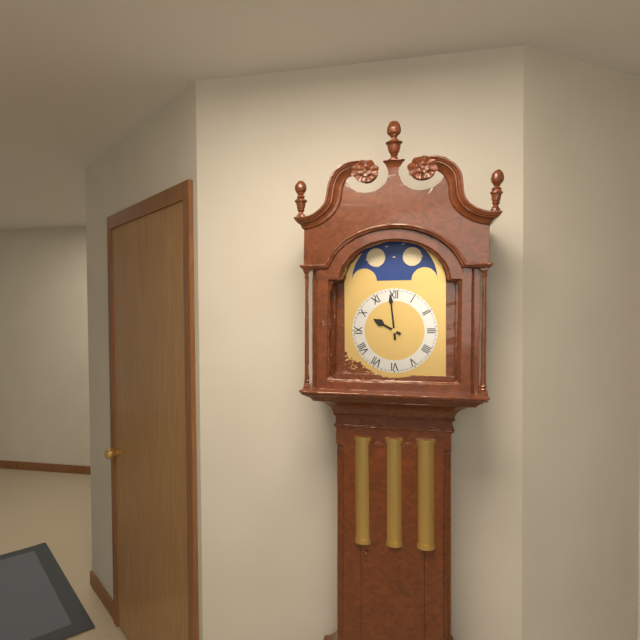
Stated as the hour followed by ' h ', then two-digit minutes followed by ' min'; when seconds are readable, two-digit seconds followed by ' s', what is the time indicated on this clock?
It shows 9 h 59 min
